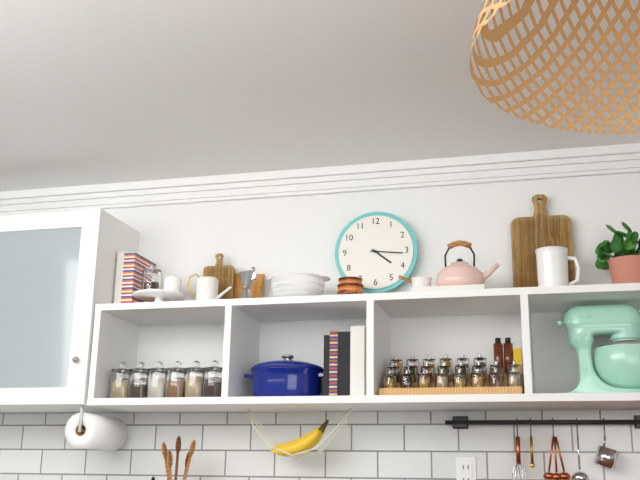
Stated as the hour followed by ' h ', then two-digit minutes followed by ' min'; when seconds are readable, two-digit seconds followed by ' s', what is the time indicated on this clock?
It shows 4 h 16 min
